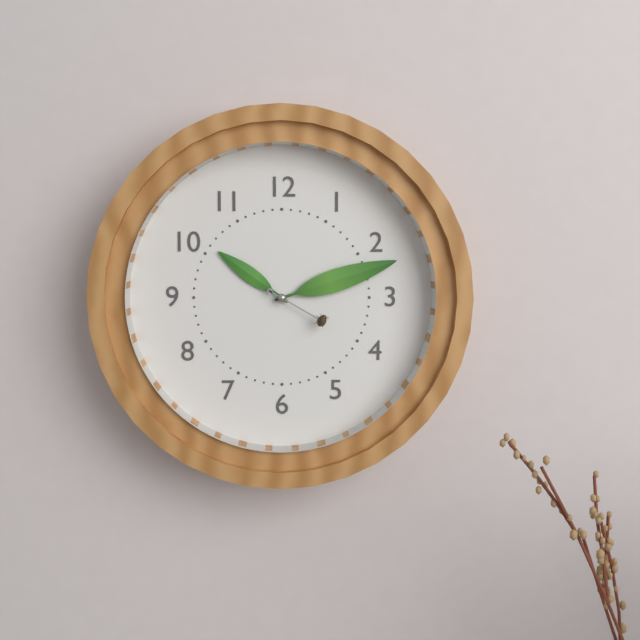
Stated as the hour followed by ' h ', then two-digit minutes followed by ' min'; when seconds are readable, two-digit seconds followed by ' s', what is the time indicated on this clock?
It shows 10 h 12 min 20 s
